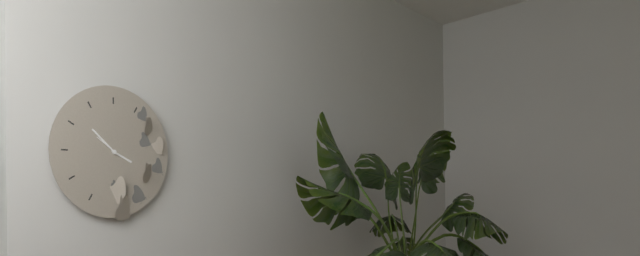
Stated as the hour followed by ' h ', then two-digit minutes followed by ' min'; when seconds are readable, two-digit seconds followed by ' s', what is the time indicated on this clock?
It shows 3 h 52 min
